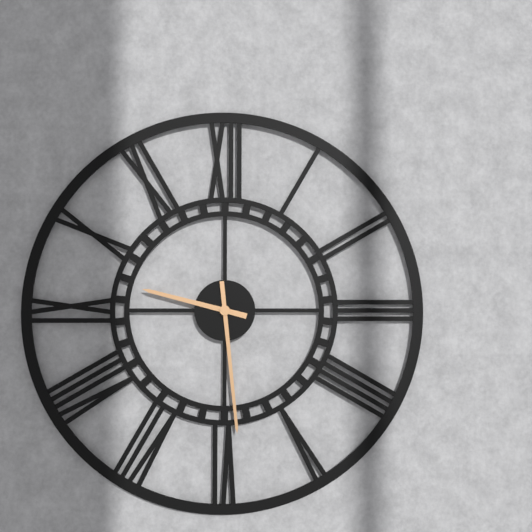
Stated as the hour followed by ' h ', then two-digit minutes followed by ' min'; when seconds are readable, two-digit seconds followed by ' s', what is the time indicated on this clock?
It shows 9 h 29 min
